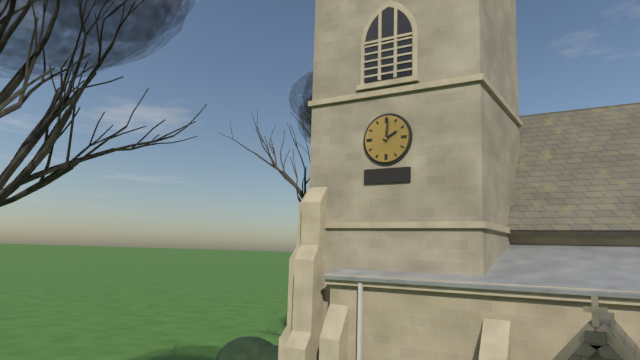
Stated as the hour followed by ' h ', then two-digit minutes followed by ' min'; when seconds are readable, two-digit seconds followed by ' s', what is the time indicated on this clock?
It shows 2 h 01 min
